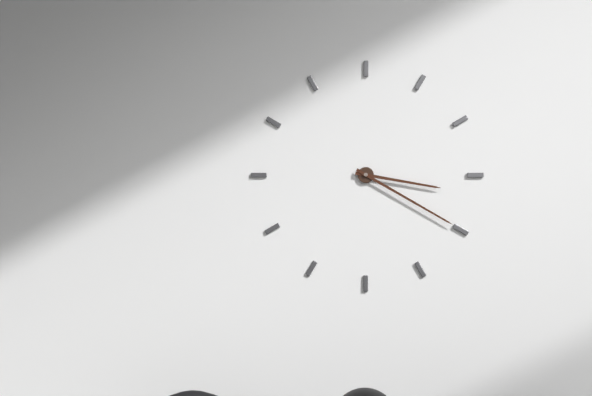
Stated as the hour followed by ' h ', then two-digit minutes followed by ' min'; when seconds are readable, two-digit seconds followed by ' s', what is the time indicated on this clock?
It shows 3 h 20 min
